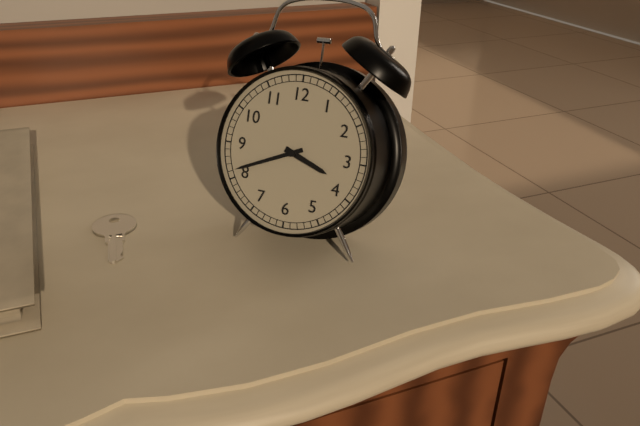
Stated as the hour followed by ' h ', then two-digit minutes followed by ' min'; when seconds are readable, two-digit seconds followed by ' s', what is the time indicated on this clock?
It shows 3 h 41 min
